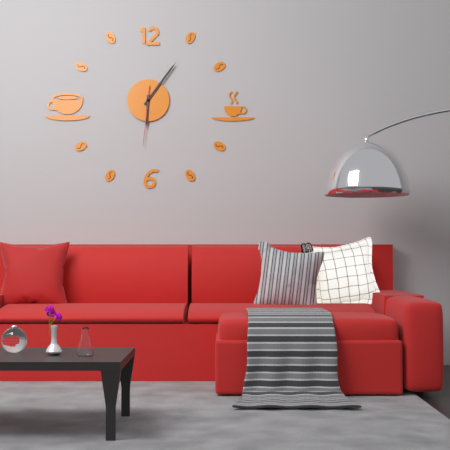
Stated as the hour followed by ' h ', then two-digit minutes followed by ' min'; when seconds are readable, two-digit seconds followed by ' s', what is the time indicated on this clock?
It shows 6 h 06 min 31 s
